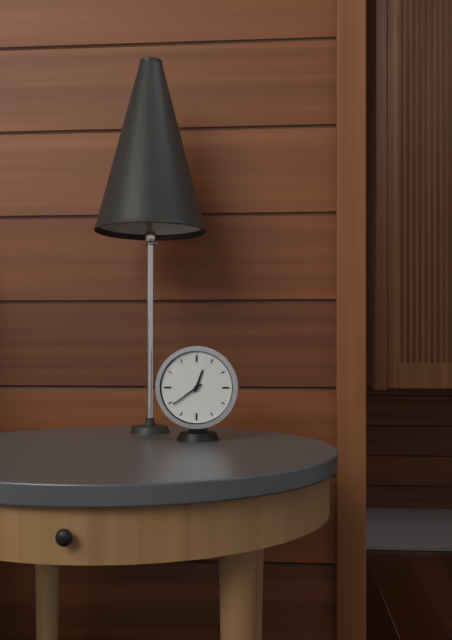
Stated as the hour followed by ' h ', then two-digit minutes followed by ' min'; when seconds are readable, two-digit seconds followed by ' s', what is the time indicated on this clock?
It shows 12 h 39 min
